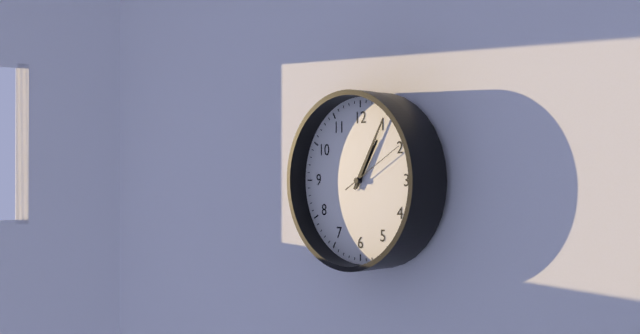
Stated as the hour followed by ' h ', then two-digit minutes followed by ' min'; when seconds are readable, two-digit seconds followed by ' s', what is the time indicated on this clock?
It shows 1 h 05 min
